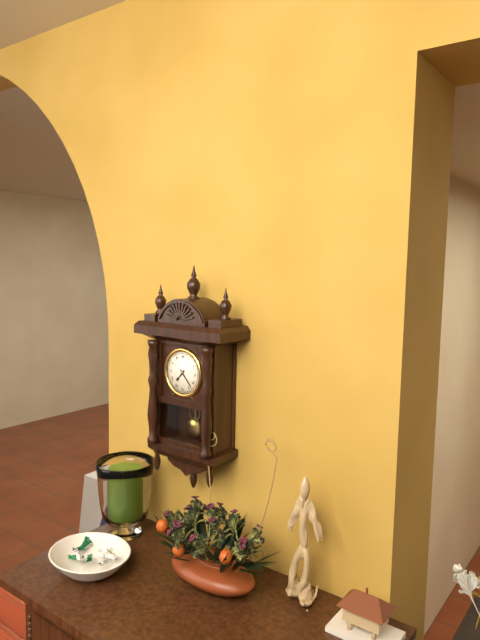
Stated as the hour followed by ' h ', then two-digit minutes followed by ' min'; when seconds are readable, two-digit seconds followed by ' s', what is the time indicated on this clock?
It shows 7 h 23 min
